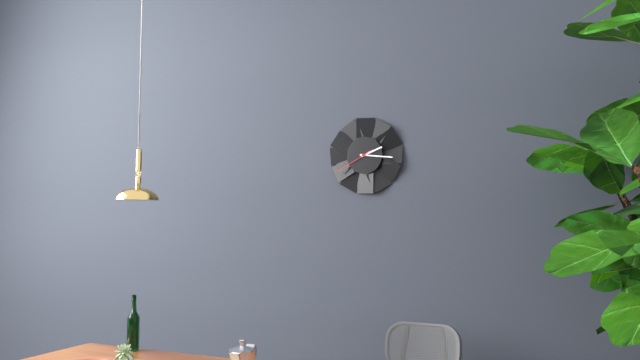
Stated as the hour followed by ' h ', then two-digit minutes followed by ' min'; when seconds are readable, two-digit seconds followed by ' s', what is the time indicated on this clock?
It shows 2 h 16 min
